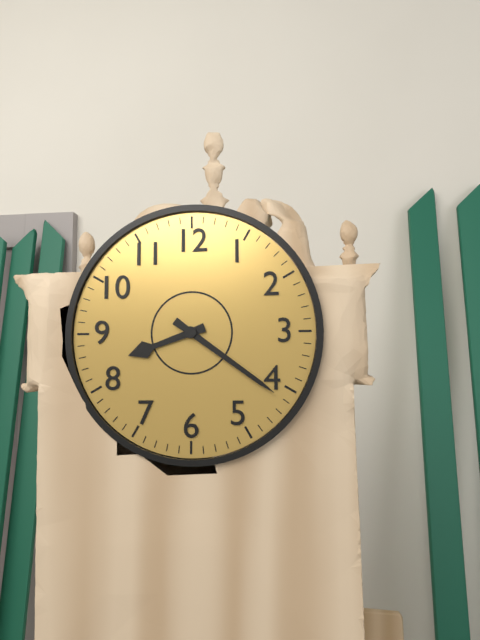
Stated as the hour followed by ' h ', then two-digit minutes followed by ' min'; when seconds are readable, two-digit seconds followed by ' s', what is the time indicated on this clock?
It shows 8 h 21 min
